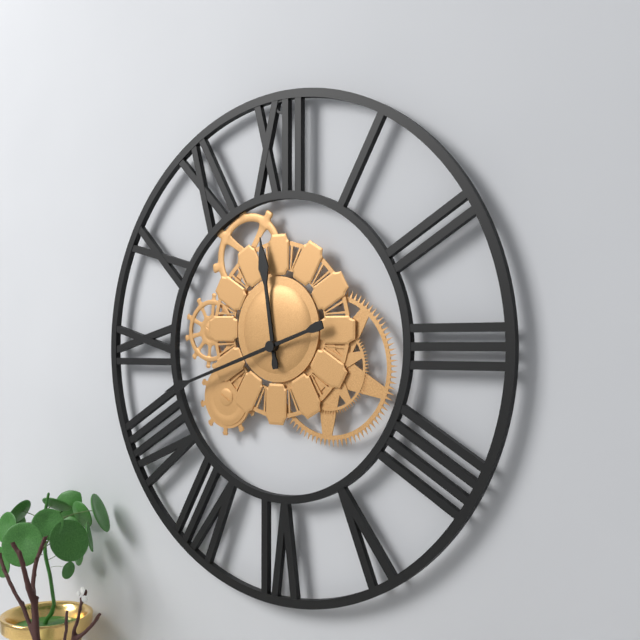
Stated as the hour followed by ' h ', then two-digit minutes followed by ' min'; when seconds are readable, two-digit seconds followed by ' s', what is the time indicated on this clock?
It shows 11 h 42 min
